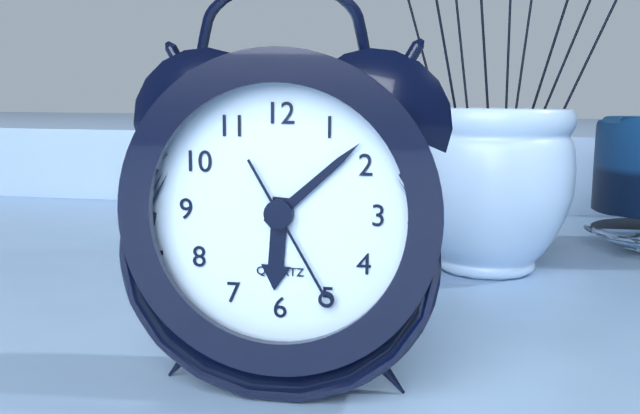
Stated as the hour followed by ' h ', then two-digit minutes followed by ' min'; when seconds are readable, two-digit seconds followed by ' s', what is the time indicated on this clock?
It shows 6 h 08 min 25 s
